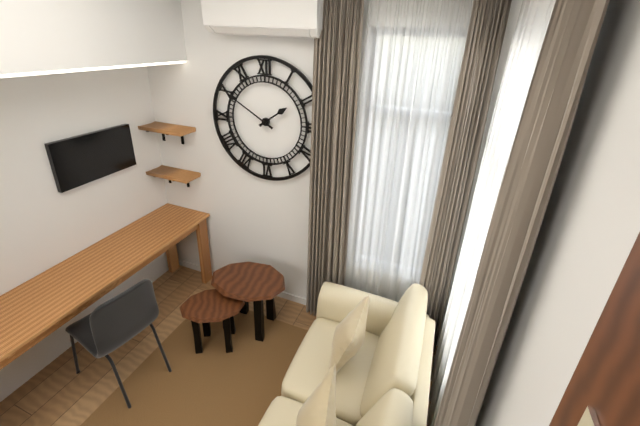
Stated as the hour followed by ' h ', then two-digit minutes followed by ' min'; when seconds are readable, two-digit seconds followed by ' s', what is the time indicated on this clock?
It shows 1 h 50 min
